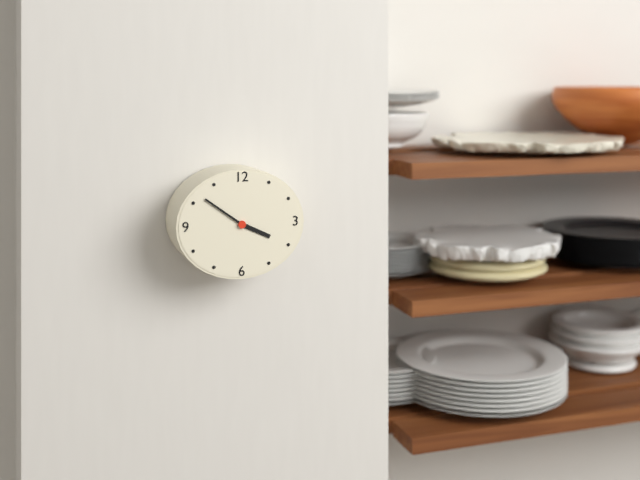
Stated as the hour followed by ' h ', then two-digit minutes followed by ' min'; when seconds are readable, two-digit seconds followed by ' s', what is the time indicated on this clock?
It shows 3 h 51 min
